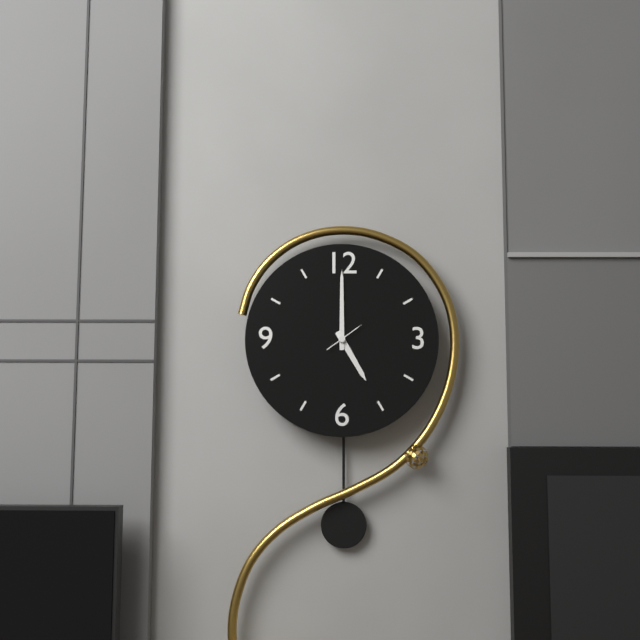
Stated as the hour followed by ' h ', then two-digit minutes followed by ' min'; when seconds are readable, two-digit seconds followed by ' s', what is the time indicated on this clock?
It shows 5 h 00 min
